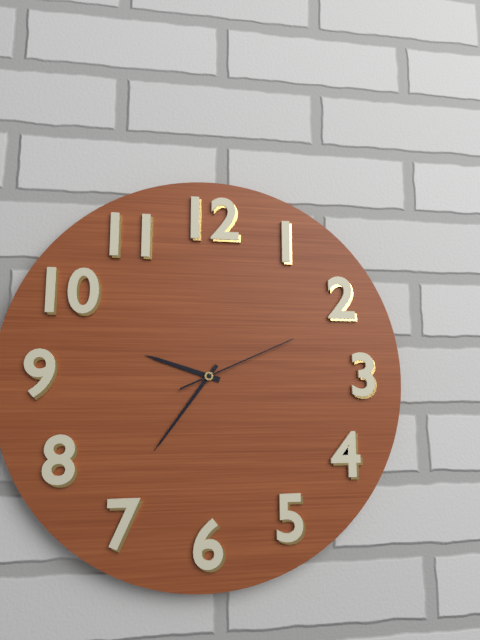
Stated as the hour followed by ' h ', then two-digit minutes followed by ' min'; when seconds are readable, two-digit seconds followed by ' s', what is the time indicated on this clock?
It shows 9 h 36 min 11 s
